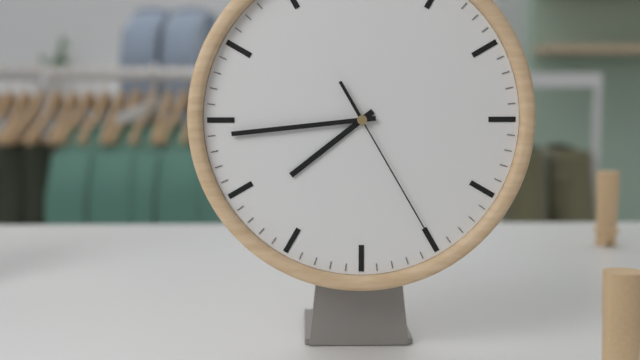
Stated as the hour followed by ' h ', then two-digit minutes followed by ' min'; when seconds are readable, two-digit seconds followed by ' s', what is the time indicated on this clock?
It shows 7 h 44 min 25 s
